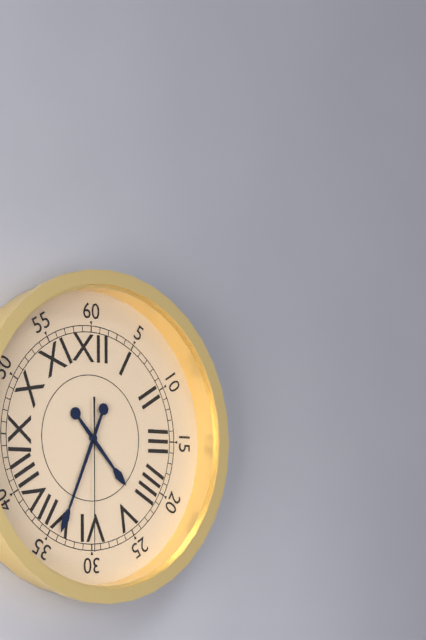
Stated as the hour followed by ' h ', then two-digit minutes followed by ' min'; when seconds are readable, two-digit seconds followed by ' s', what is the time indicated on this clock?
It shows 4 h 34 min 30 s
